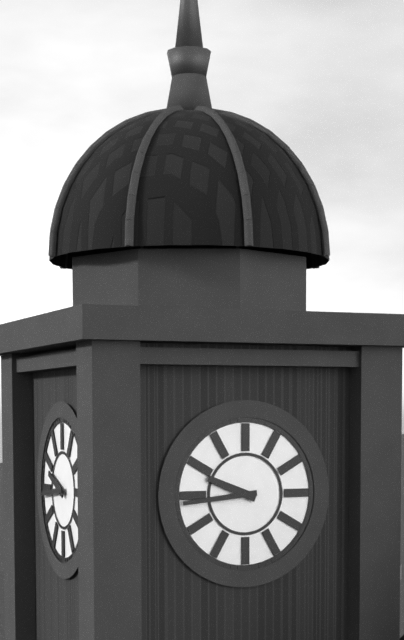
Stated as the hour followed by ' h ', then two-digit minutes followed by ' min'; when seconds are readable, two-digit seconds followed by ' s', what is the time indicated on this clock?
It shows 9 h 44 min
